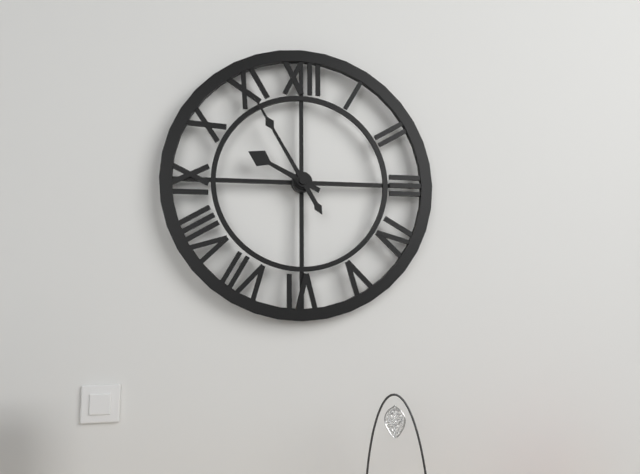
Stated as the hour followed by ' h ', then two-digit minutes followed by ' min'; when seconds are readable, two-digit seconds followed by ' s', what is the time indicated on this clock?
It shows 9 h 55 min
